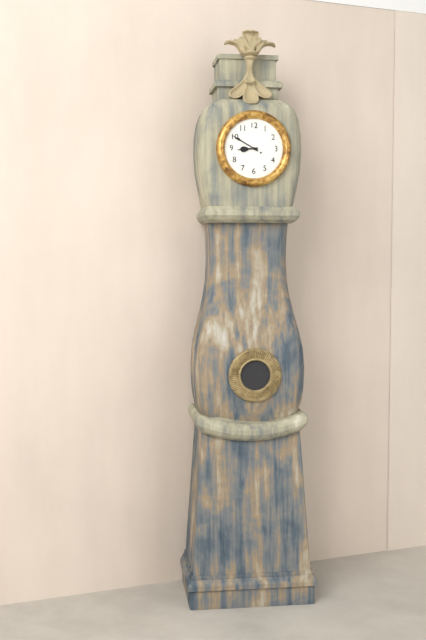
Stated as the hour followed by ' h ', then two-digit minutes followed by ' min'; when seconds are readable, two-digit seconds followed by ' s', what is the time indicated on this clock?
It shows 8 h 50 min
